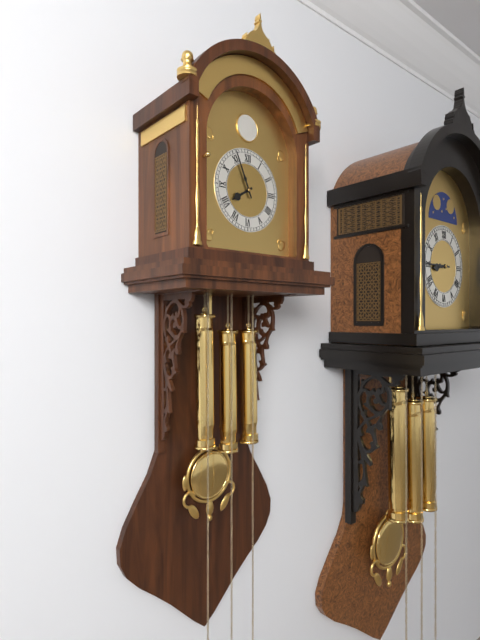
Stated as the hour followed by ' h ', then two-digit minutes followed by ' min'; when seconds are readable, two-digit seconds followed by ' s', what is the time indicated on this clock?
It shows 7 h 56 min
